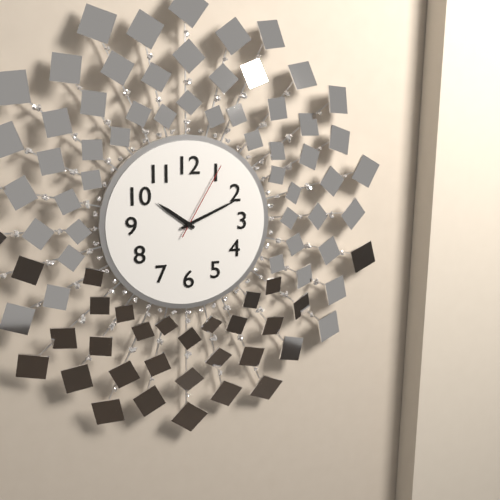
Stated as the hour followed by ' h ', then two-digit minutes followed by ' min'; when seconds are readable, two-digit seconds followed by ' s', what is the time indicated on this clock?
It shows 10 h 11 min 05 s
